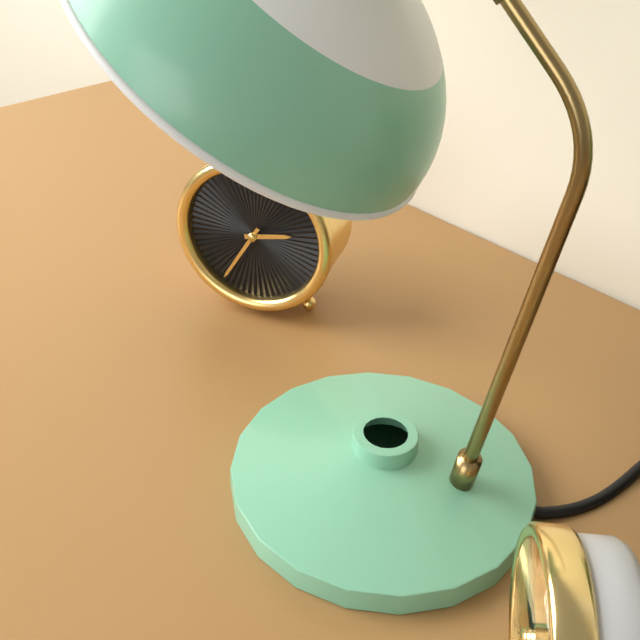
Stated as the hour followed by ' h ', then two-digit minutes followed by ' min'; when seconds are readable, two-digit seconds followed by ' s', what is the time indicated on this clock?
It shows 2 h 35 min
